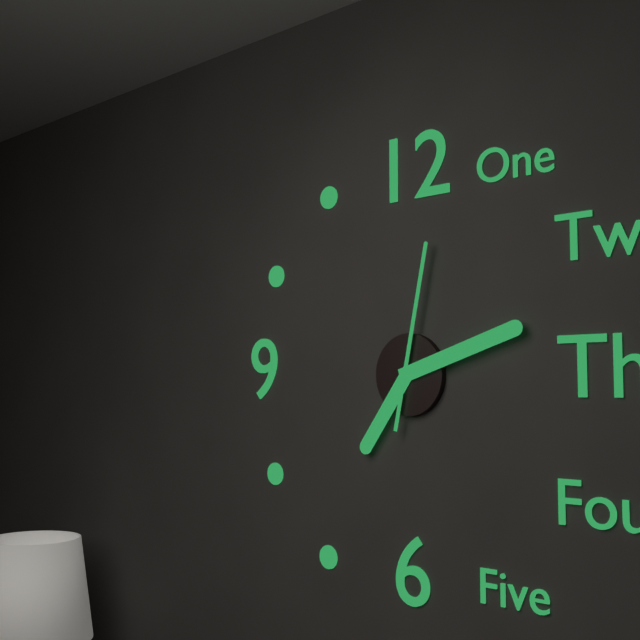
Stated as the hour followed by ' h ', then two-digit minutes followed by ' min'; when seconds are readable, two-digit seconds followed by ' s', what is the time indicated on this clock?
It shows 7 h 12 min 02 s
